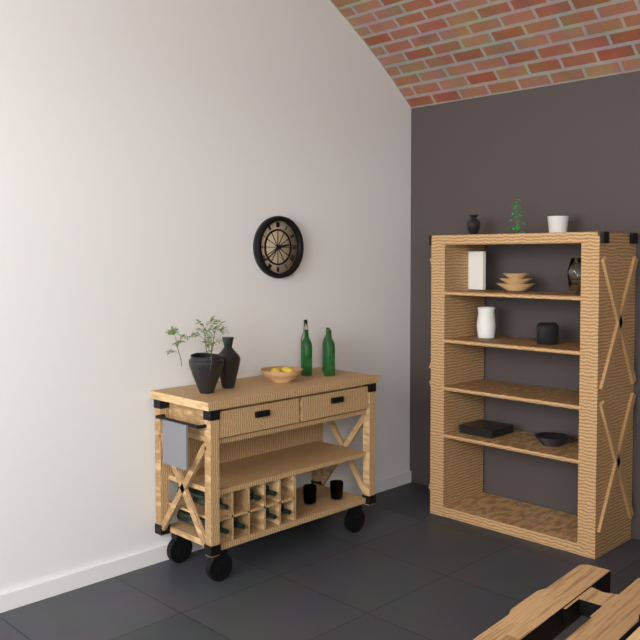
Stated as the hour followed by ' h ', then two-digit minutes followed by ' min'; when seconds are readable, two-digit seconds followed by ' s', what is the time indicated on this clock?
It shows 2 h 39 min
